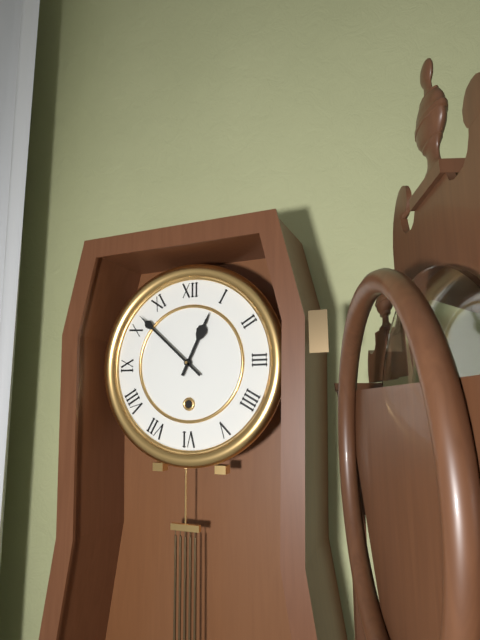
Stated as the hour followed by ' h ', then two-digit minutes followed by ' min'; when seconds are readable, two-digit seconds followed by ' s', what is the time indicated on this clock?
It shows 12 h 52 min
